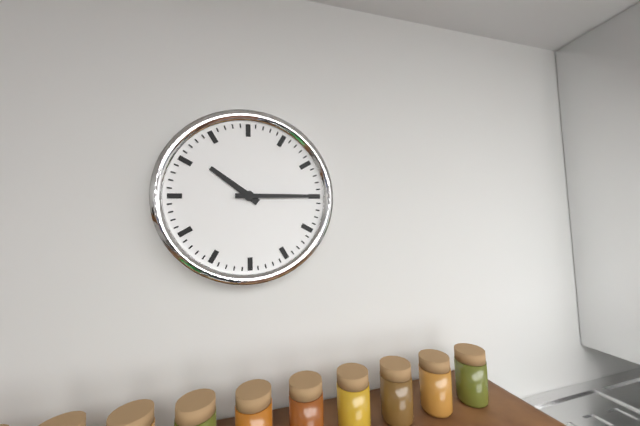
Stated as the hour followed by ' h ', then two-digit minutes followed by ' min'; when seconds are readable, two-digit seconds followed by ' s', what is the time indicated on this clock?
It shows 10 h 15 min
